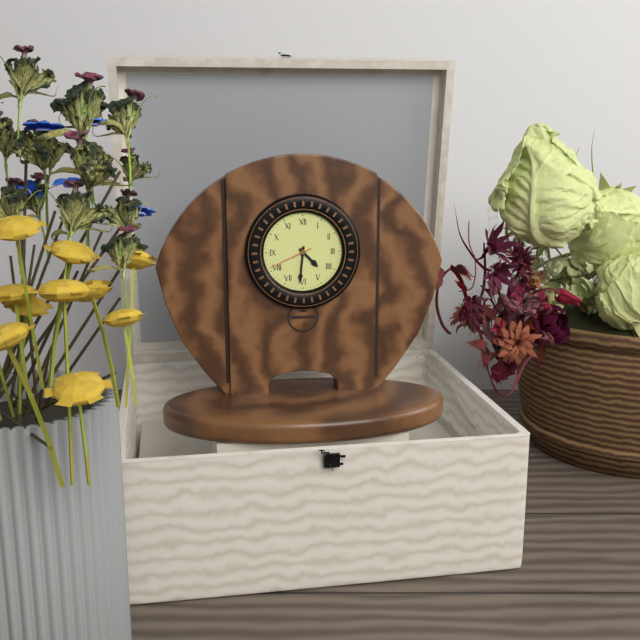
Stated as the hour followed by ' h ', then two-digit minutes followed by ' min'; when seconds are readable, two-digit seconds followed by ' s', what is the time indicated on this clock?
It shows 4 h 31 min
